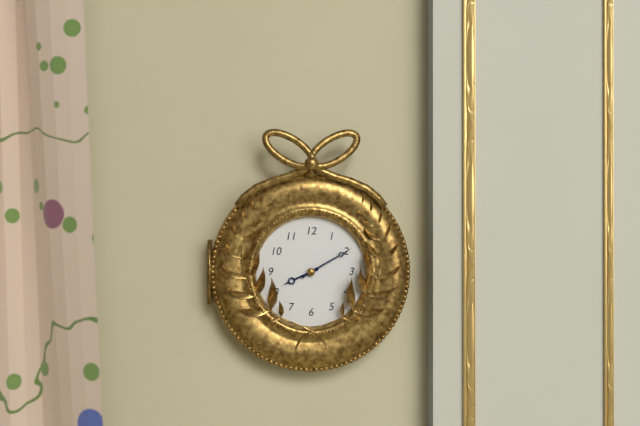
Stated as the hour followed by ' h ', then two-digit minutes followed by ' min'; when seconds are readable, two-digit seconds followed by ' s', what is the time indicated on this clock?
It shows 8 h 10 min
